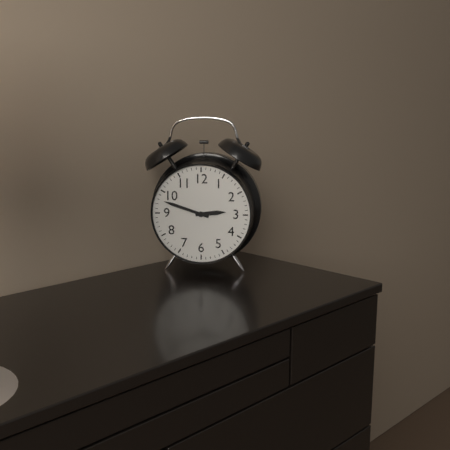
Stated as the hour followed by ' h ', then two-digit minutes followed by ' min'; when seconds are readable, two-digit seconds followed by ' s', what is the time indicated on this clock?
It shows 2 h 48 min
